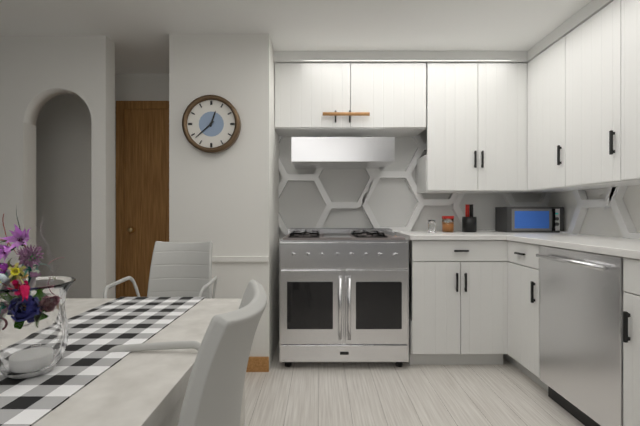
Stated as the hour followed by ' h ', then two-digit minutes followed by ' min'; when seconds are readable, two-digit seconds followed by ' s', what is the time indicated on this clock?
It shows 12 h 38 min
